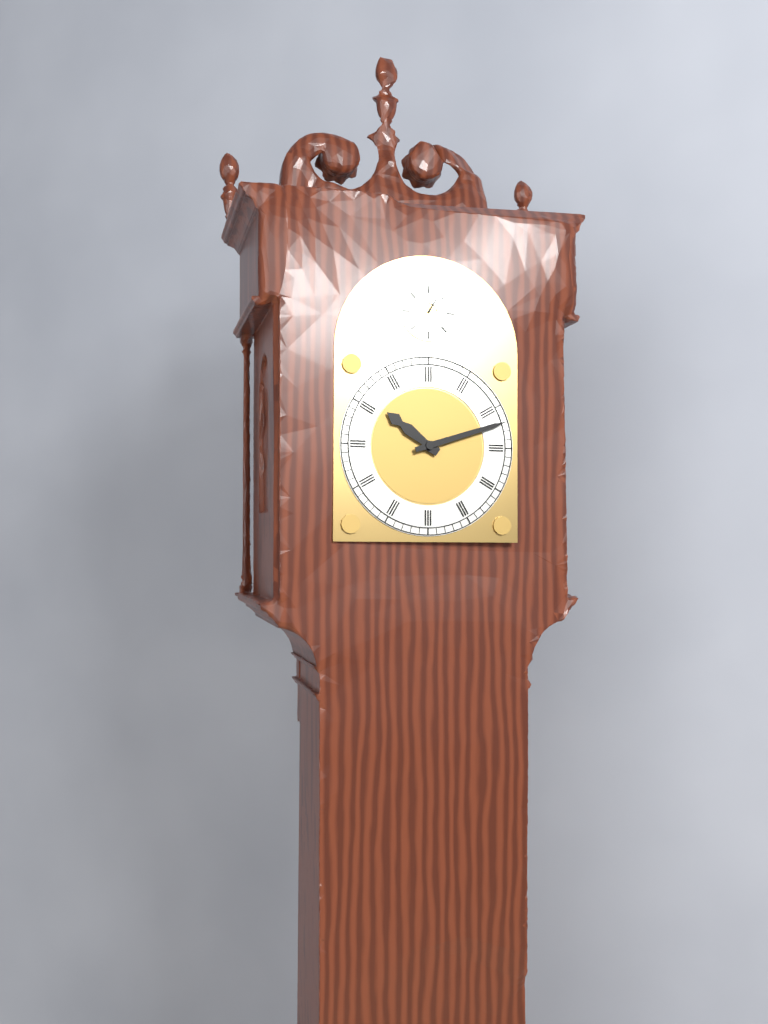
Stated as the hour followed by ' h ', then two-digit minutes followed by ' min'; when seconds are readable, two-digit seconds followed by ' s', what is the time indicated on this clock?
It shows 10 h 12 min
